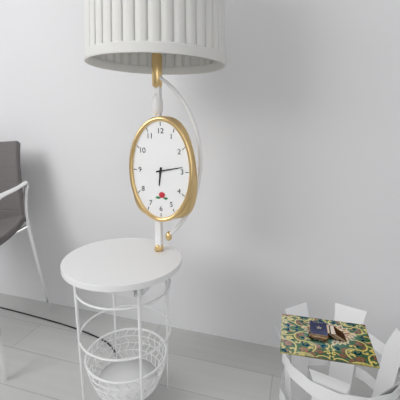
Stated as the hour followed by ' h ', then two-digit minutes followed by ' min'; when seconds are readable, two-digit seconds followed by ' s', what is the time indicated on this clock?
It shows 6 h 13 min
